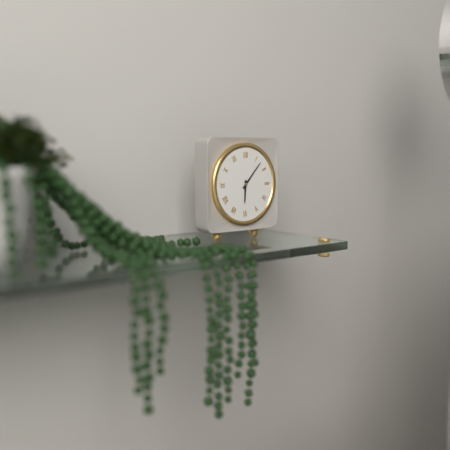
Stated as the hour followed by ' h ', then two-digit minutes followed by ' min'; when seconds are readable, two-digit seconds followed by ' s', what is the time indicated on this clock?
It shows 6 h 07 min
